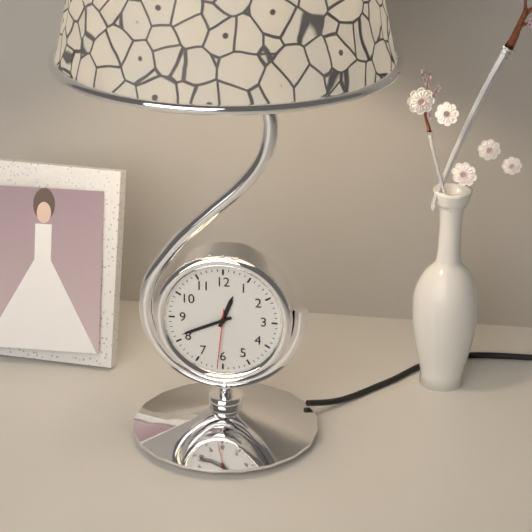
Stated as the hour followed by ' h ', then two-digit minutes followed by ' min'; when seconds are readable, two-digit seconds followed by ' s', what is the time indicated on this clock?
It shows 12 h 41 min 31 s
